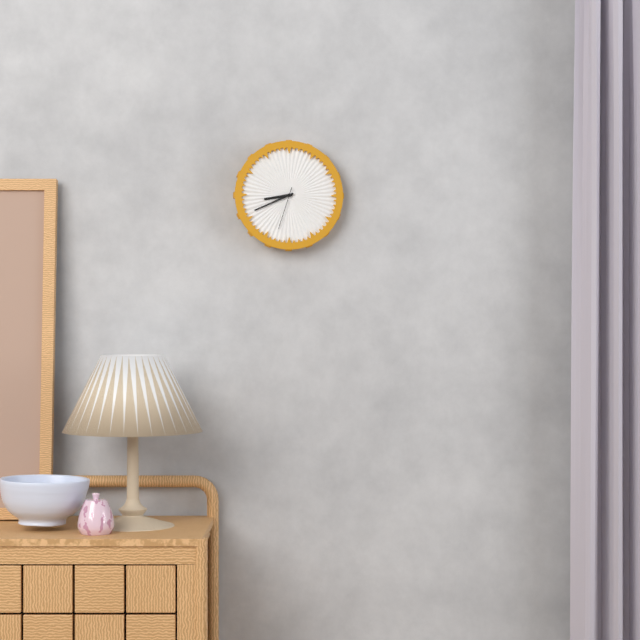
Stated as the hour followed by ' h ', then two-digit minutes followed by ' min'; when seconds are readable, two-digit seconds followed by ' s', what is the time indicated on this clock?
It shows 8 h 41 min
